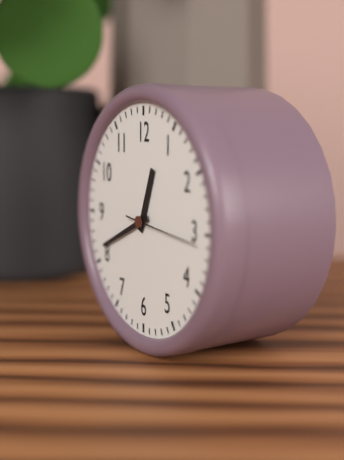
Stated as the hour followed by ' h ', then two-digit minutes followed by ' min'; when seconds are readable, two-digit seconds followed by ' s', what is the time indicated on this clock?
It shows 12 h 41 min 16 s
